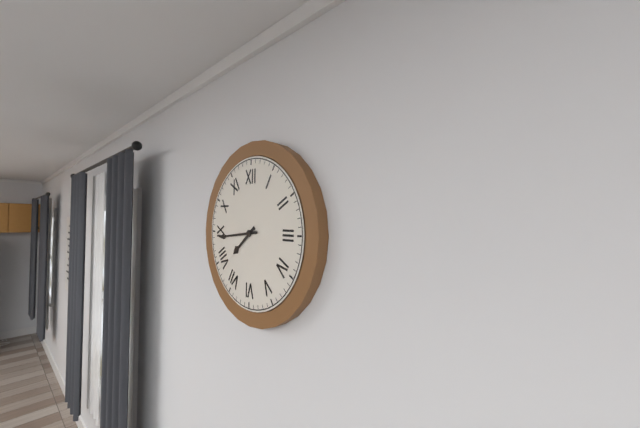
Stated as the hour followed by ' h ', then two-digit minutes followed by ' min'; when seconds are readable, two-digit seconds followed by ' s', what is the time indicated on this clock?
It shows 7 h 44 min
